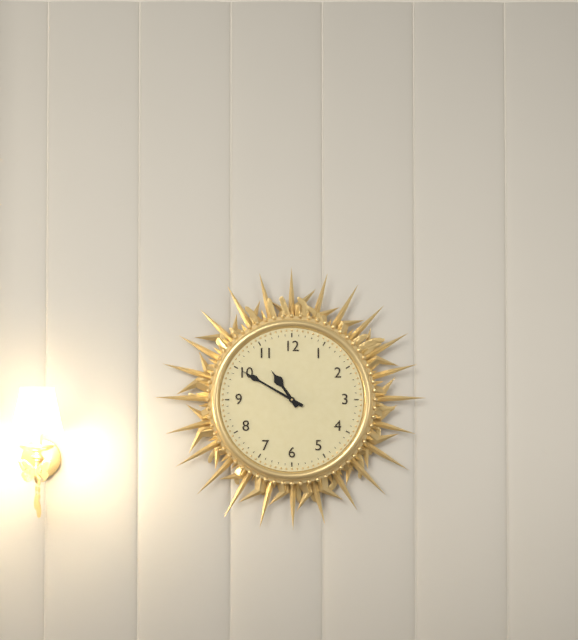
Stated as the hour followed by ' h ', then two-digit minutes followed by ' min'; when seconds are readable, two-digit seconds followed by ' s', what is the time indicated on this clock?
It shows 10 h 50 min
